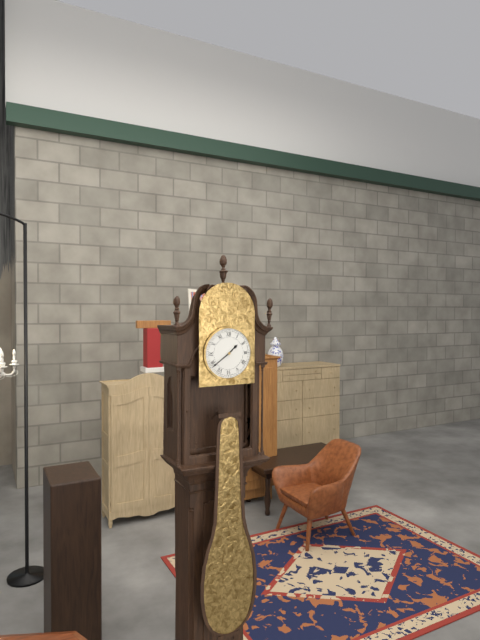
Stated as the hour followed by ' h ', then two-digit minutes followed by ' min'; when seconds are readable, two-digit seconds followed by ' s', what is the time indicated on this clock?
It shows 1 h 39 min
